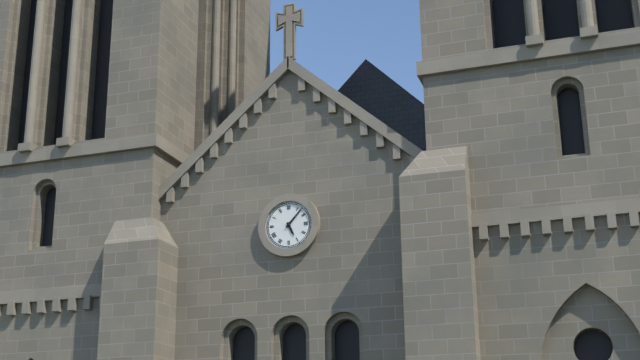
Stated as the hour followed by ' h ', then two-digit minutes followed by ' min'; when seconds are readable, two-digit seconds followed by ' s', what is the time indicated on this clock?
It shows 5 h 07 min
